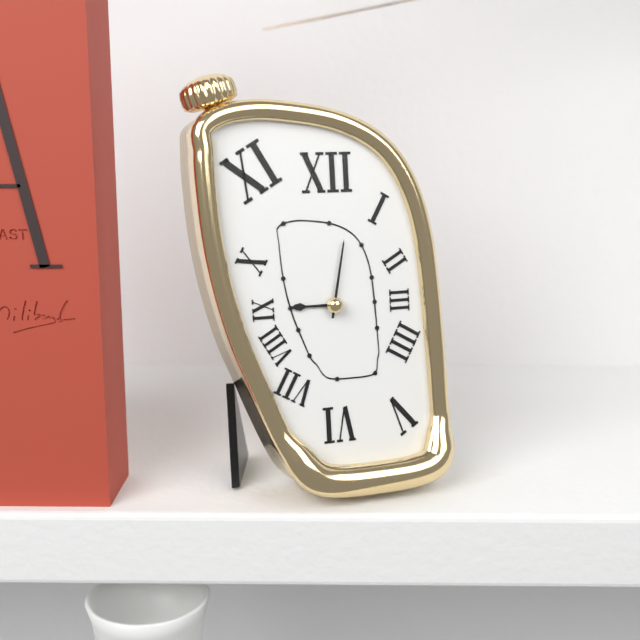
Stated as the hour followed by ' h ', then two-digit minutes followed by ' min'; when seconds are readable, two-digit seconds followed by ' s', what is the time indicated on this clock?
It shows 9 h 02 min
